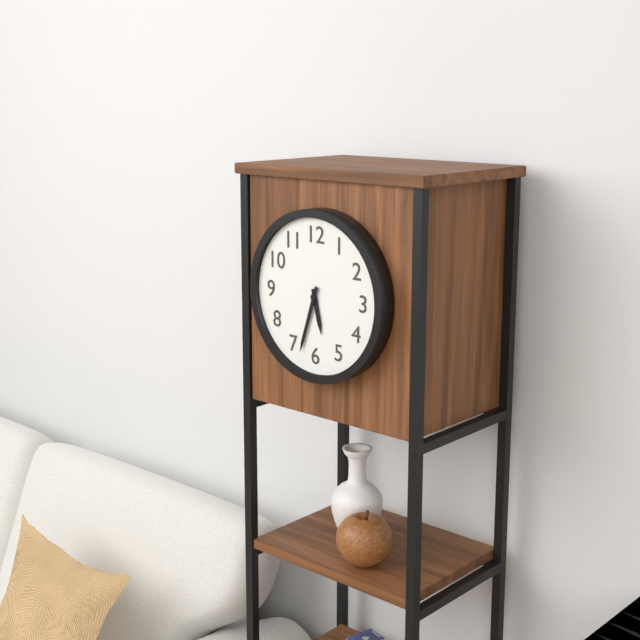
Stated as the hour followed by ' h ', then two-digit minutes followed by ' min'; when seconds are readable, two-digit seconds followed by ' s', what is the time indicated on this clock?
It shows 5 h 33 min
